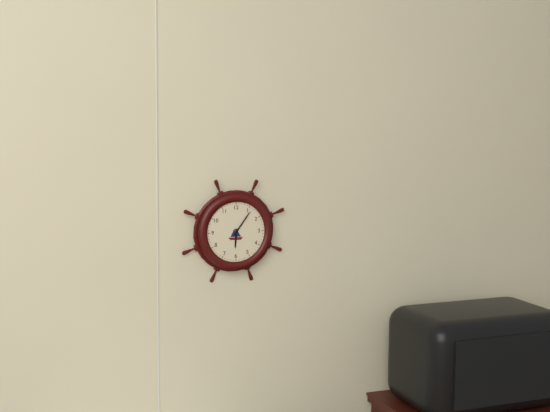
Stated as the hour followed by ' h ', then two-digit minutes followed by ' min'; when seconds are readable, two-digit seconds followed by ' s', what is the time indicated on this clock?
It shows 6 h 06 min
